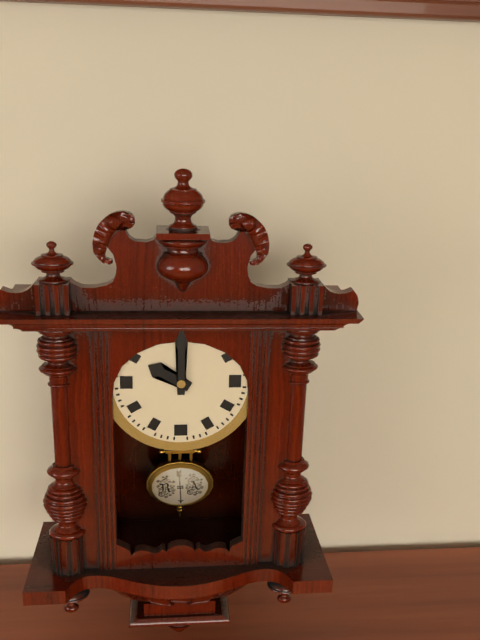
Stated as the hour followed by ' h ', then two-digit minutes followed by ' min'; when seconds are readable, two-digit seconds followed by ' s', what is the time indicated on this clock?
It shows 10 h 00 min
